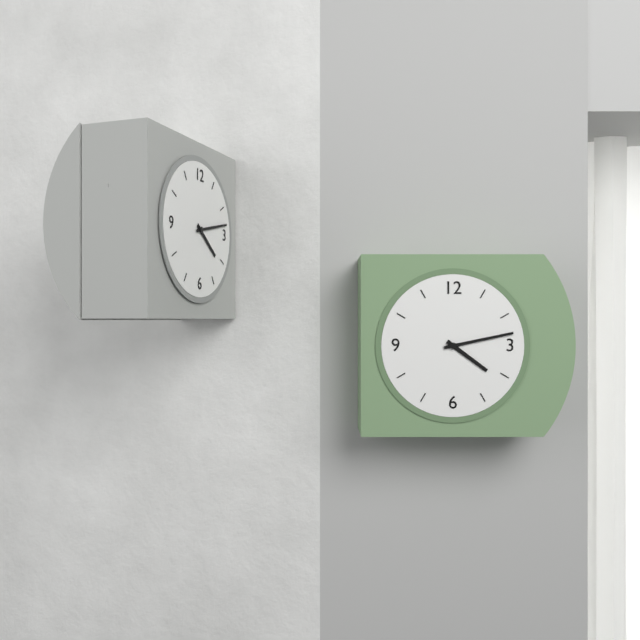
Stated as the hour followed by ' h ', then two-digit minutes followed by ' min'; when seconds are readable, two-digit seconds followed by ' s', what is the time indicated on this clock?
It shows 4 h 13 min
